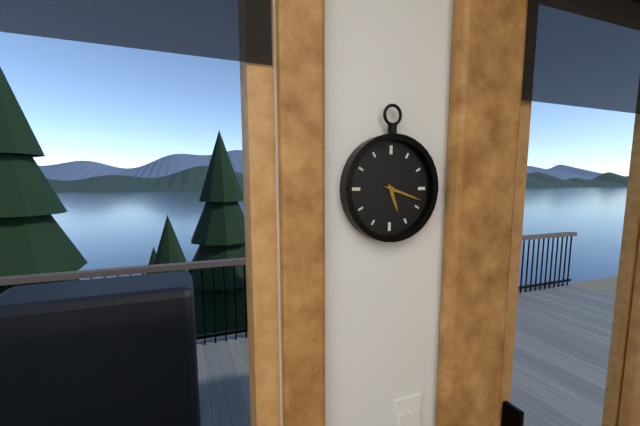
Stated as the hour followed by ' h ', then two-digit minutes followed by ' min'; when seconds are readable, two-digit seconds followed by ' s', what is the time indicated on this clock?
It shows 5 h 18 min
